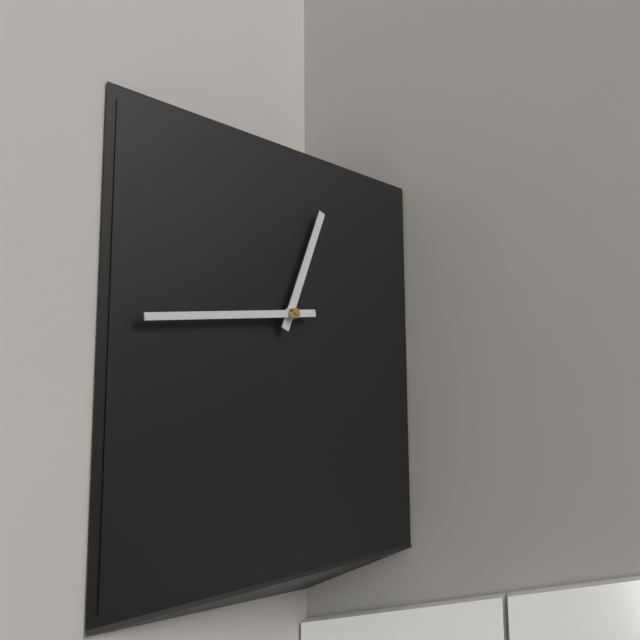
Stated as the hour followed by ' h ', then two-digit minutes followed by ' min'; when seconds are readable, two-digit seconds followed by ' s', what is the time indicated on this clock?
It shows 12 h 44 min
